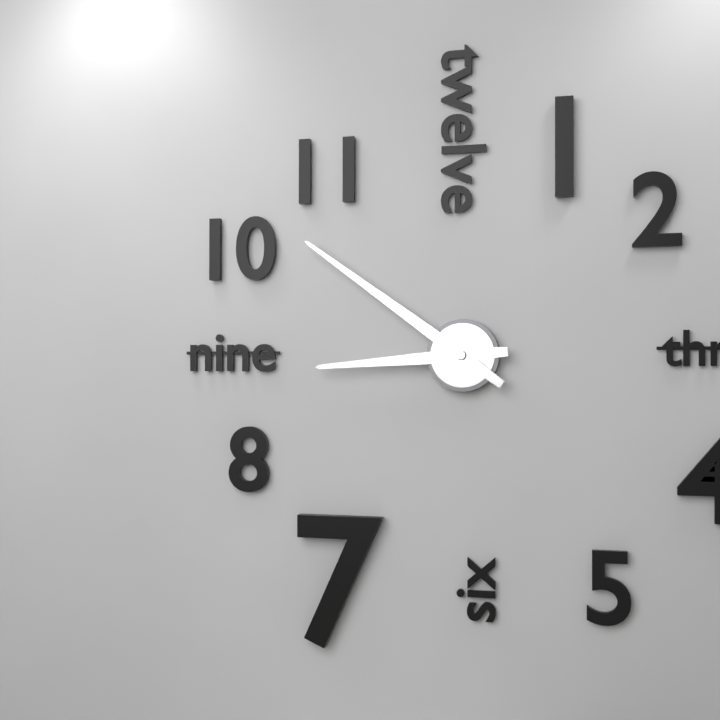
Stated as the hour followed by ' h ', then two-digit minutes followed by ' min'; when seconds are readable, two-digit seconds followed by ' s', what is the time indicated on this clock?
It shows 8 h 51 min
